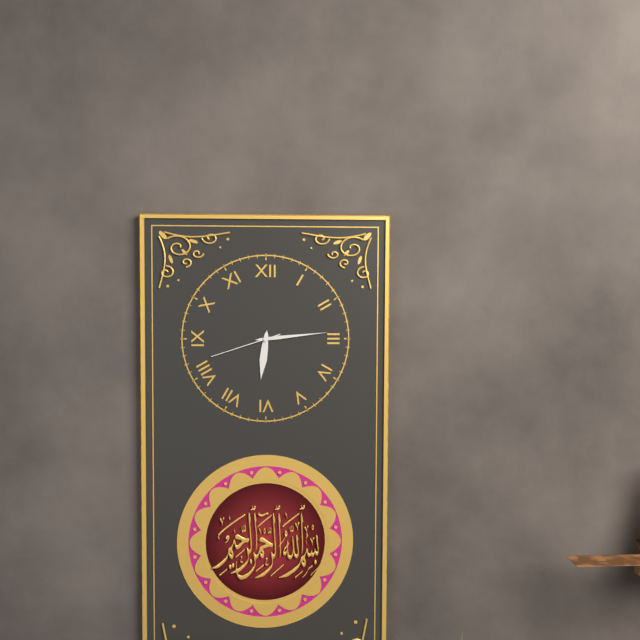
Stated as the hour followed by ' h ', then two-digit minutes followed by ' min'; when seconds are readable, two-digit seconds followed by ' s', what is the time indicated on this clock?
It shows 6 h 14 min 42 s
